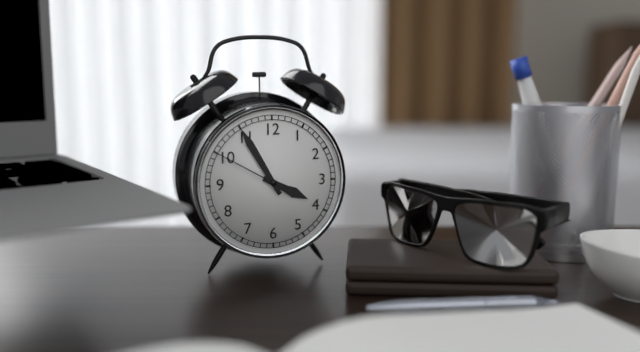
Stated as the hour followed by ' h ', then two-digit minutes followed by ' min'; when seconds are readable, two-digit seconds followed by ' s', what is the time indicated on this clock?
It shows 3 h 55 min 50 s
